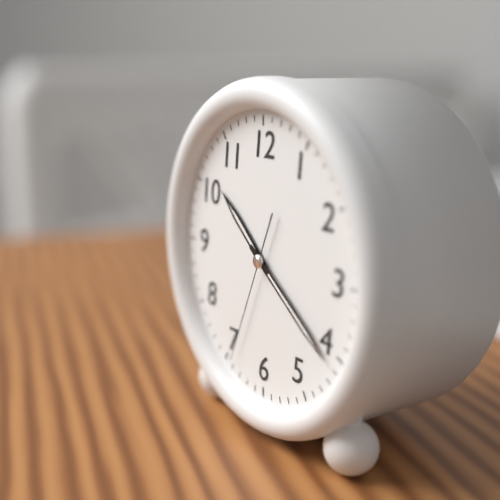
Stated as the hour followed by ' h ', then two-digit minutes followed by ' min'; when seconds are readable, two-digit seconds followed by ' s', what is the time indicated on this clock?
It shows 10 h 21 min 34 s
